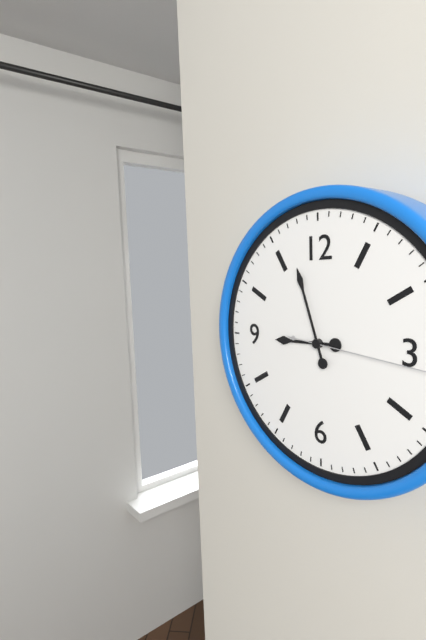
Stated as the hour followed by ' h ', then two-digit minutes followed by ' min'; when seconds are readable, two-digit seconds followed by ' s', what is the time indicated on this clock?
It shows 8 h 57 min
